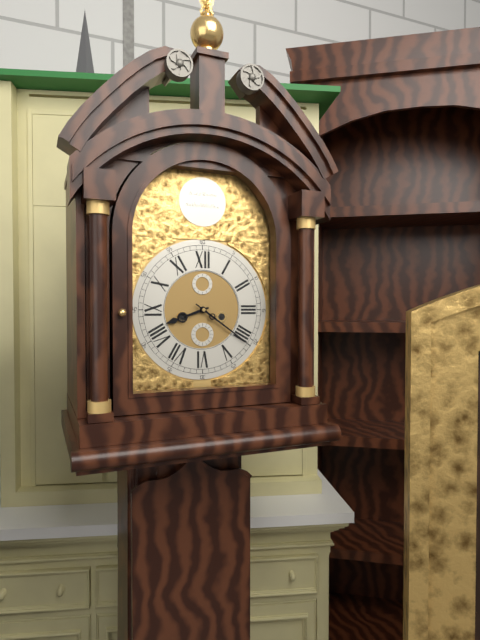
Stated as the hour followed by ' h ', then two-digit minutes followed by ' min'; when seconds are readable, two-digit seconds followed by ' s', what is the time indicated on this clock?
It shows 8 h 21 min
